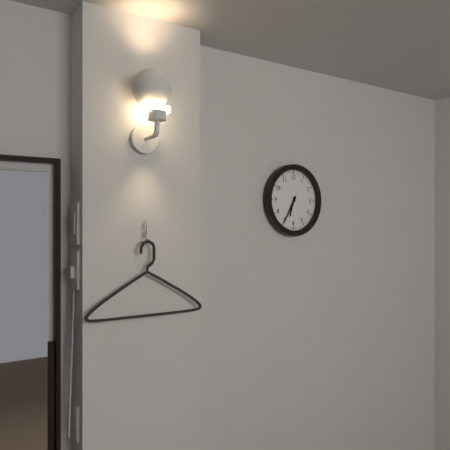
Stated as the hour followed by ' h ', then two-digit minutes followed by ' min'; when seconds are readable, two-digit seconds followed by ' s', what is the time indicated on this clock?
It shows 6 h 35 min
